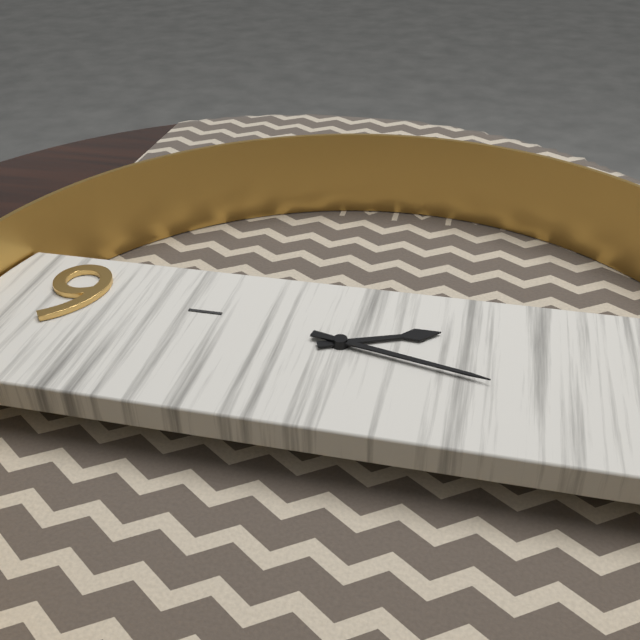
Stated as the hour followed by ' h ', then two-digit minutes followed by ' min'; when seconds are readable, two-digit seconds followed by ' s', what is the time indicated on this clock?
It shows 2 h 17 min
